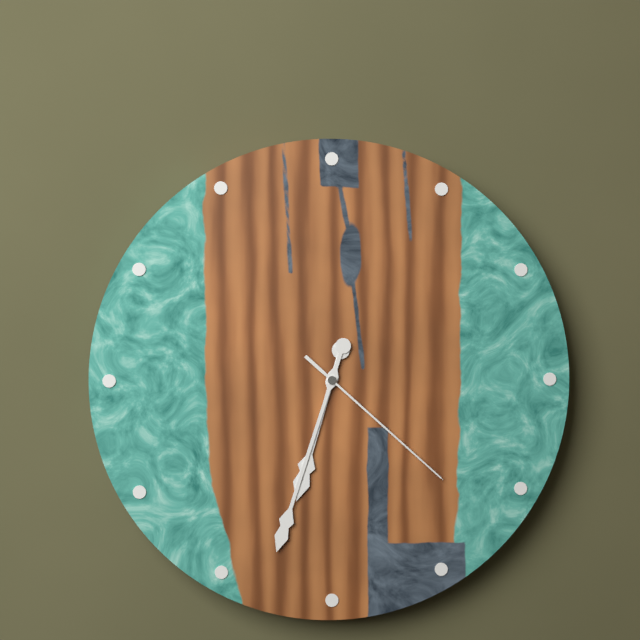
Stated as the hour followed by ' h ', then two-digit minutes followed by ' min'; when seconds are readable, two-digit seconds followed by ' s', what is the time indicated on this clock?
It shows 6 h 33 min 22 s
